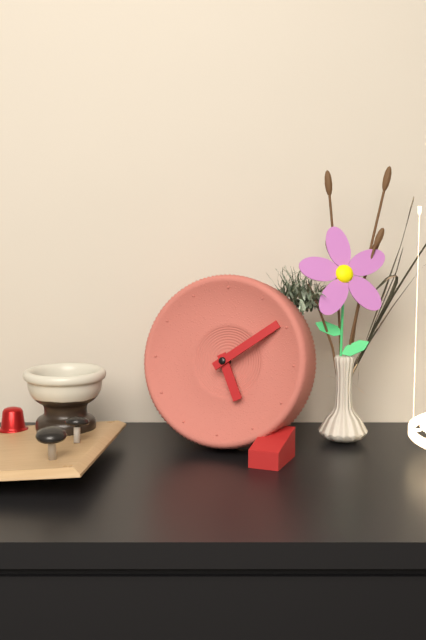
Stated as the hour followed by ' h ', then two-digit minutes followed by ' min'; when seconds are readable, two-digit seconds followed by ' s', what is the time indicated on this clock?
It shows 5 h 09 min
